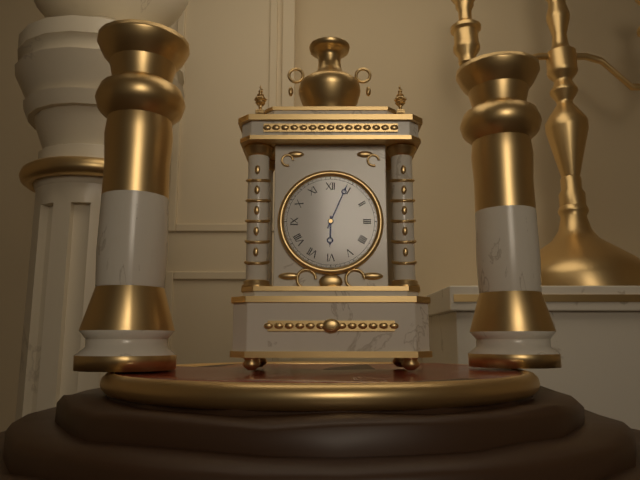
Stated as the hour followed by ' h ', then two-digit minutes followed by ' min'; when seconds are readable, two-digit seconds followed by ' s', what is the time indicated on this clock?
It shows 6 h 04 min
